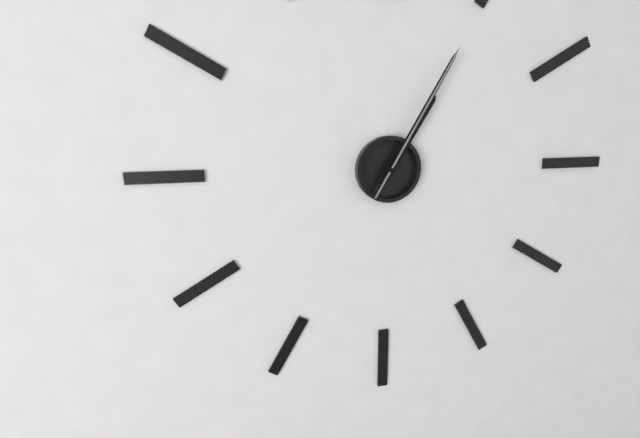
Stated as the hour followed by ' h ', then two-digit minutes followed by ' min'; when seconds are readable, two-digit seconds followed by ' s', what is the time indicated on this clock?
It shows 1 h 05 min 05 s
